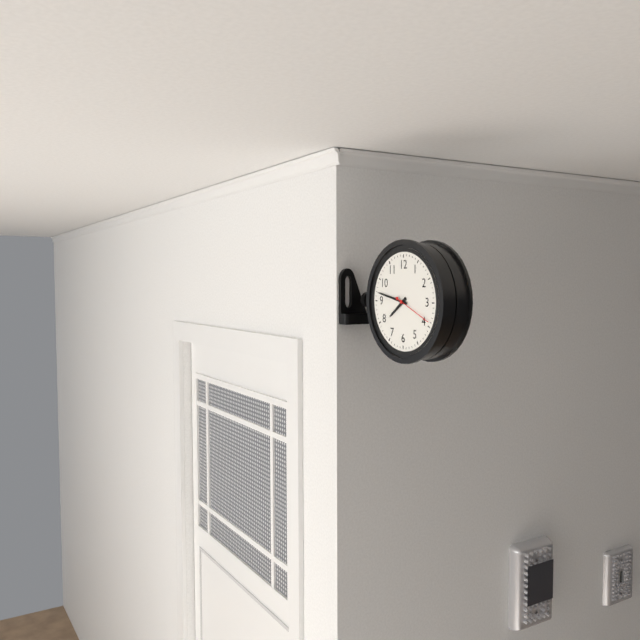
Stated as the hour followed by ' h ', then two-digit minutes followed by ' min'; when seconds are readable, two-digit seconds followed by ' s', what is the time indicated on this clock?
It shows 7 h 47 min
